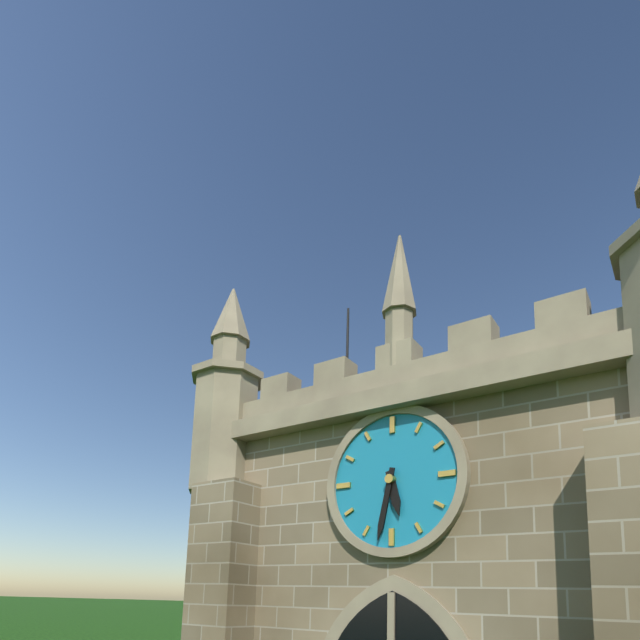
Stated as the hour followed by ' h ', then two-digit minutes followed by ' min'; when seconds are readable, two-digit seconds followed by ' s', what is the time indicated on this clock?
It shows 5 h 32 min
